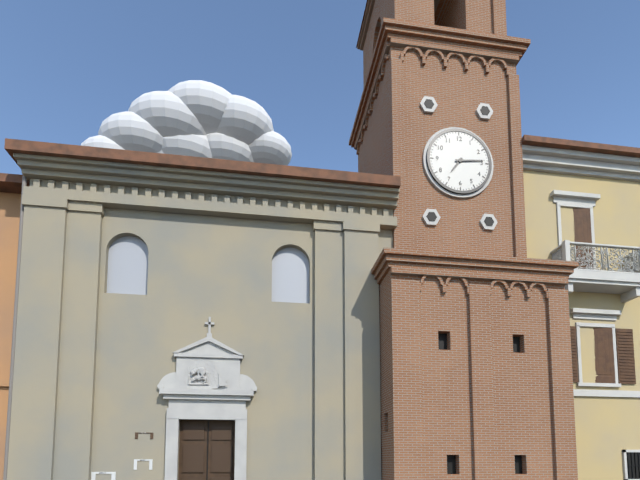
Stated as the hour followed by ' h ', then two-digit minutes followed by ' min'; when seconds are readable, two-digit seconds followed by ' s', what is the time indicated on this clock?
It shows 7 h 14 min
